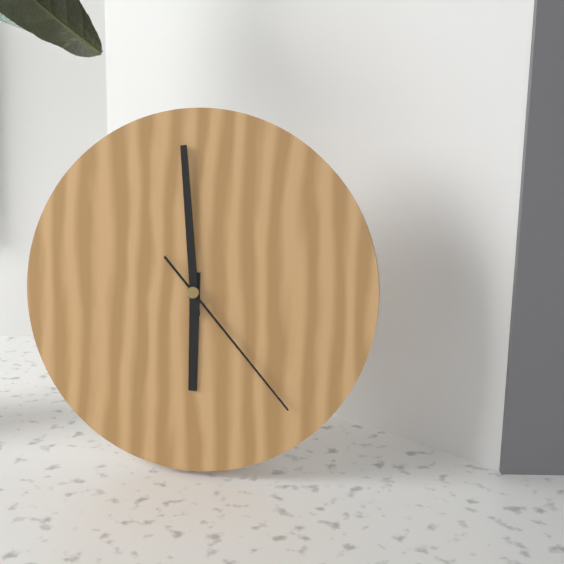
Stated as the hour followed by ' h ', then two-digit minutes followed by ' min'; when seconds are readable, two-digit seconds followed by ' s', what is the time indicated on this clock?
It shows 5 h 59 min 23 s
